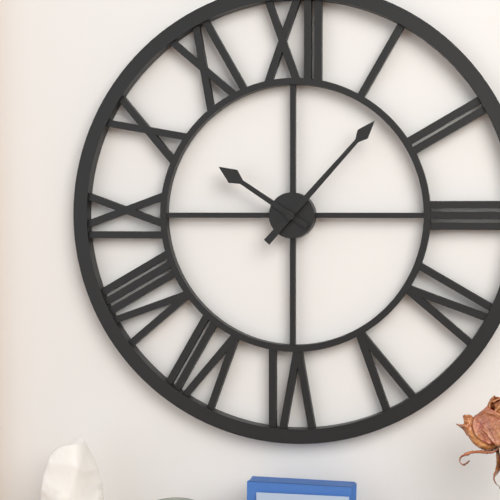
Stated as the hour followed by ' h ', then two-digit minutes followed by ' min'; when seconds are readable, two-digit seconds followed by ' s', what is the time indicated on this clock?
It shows 10 h 07 min
